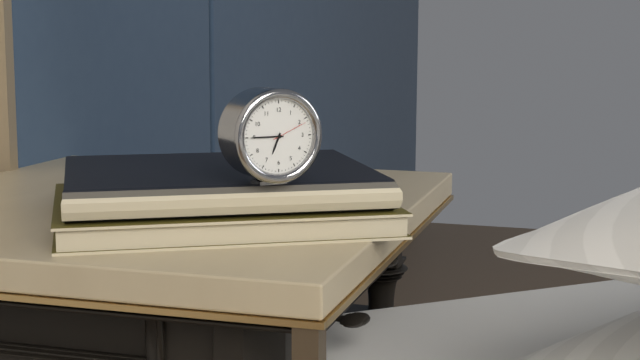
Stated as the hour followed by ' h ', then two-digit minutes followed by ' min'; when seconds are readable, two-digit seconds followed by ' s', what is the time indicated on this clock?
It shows 6 h 45 min
